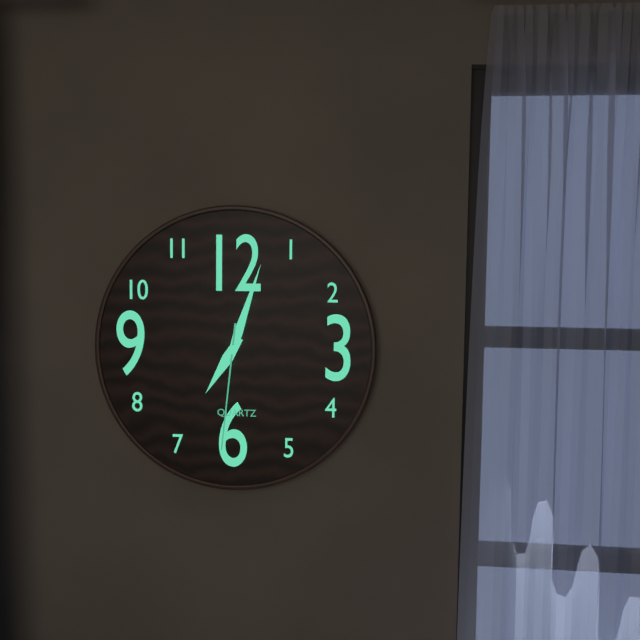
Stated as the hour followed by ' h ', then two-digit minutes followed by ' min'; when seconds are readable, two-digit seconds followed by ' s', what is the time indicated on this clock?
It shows 7 h 03 min 31 s
